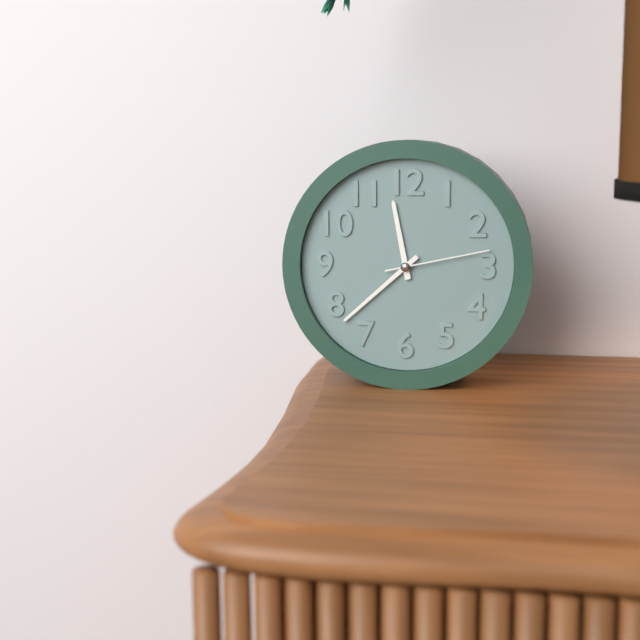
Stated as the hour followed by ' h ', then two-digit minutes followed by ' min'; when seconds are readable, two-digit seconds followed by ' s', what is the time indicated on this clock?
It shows 11 h 38 min 13 s
